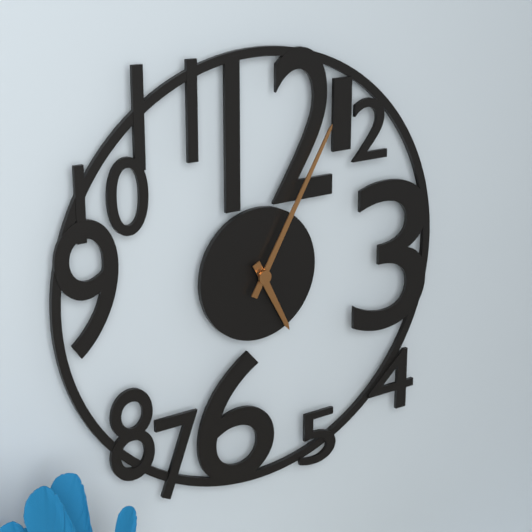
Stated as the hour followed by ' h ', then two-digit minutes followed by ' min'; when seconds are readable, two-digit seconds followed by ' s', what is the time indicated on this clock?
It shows 5 h 05 min
